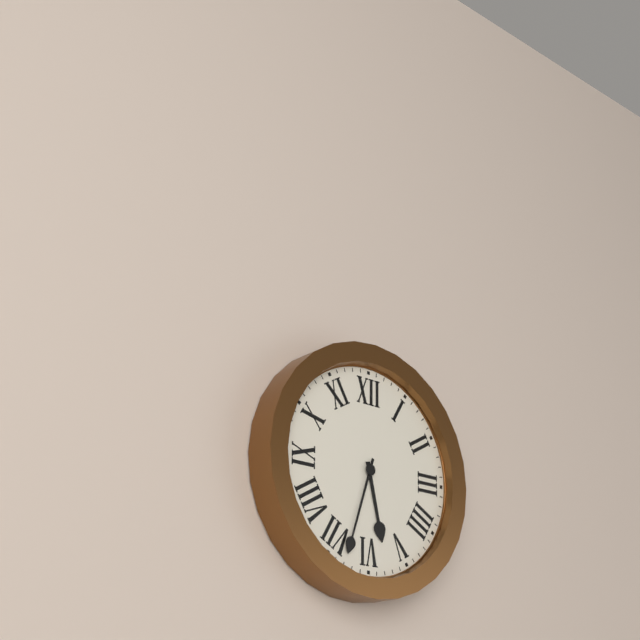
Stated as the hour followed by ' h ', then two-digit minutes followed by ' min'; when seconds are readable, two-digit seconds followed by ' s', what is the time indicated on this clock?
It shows 5 h 33 min
